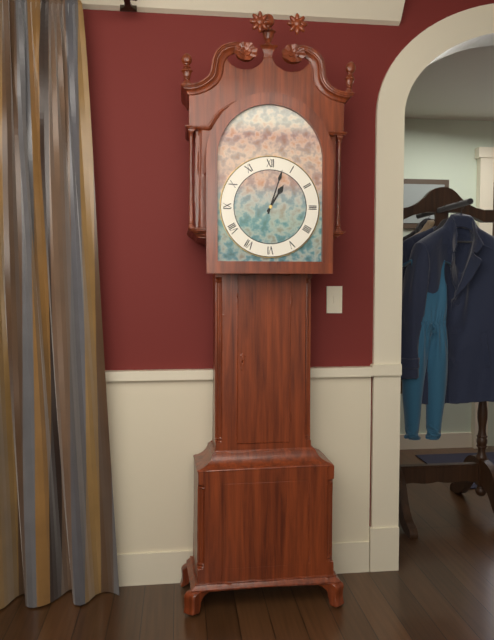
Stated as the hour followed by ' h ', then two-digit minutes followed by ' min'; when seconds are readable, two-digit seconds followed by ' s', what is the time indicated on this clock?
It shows 1 h 03 min
